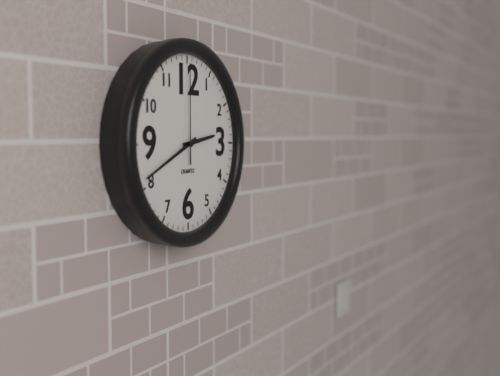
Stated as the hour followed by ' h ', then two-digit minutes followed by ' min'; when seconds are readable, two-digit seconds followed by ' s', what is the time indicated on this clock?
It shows 2 h 41 min 00 s
